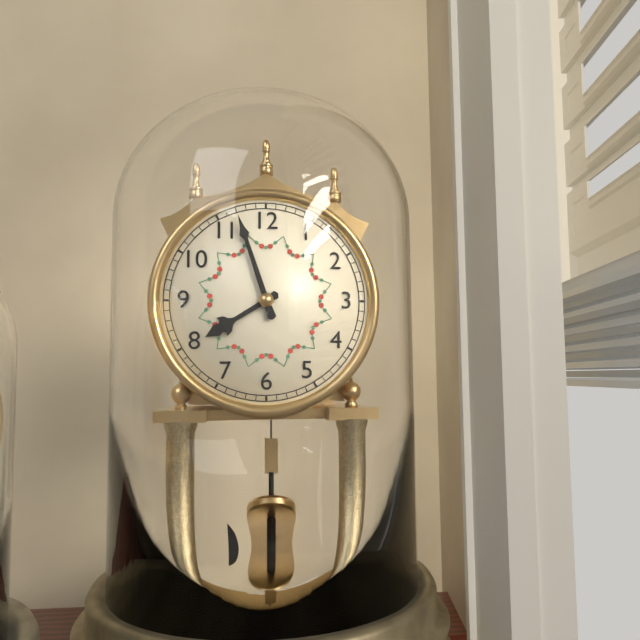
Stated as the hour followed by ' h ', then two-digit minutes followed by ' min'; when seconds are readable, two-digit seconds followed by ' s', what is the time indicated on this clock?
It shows 7 h 57 min
